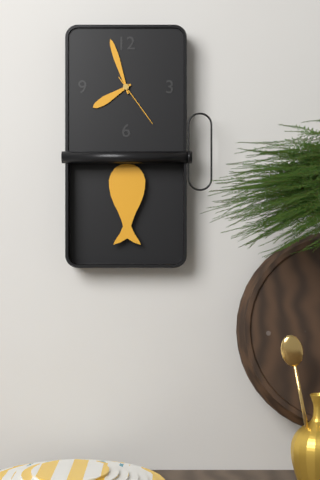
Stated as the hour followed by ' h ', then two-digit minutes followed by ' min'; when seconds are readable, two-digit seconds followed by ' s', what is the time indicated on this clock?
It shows 7 h 57 min 24 s
